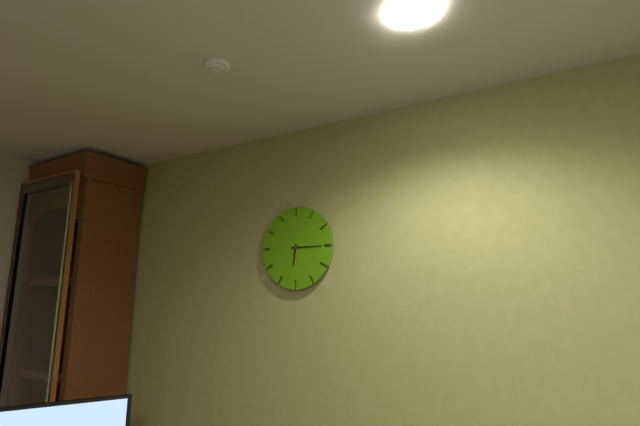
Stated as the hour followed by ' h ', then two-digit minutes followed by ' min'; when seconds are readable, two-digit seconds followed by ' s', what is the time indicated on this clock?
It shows 6 h 15 min
